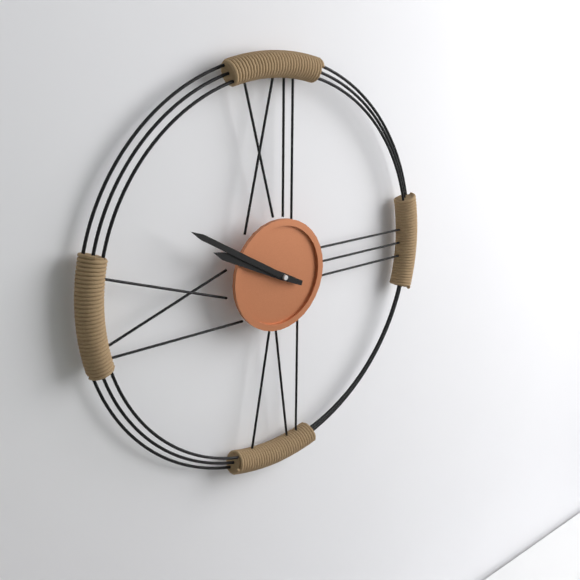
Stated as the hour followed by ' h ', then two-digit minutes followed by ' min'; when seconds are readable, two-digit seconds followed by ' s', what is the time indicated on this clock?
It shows 9 h 50 min
